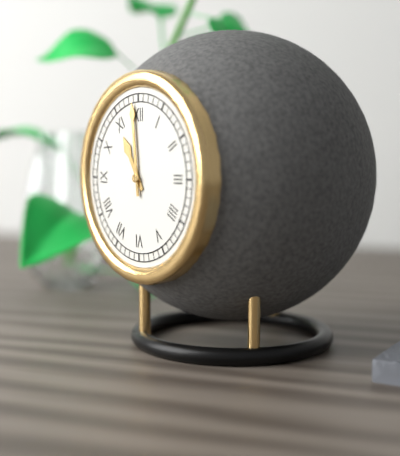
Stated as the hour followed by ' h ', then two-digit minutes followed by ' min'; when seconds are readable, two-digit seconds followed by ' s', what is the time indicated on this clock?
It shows 10 h 59 min
